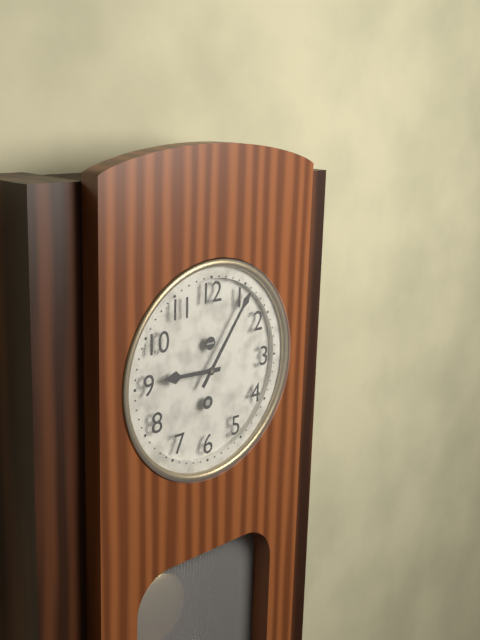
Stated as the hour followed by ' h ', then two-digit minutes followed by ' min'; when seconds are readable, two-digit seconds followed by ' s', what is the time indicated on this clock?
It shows 9 h 06 min
